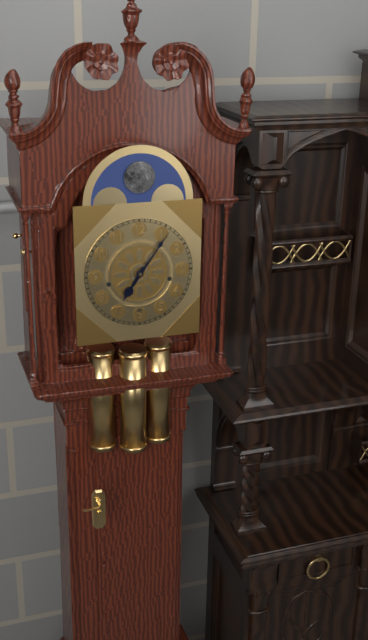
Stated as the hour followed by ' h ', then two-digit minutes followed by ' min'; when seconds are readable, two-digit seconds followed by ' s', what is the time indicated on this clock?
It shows 7 h 06 min
